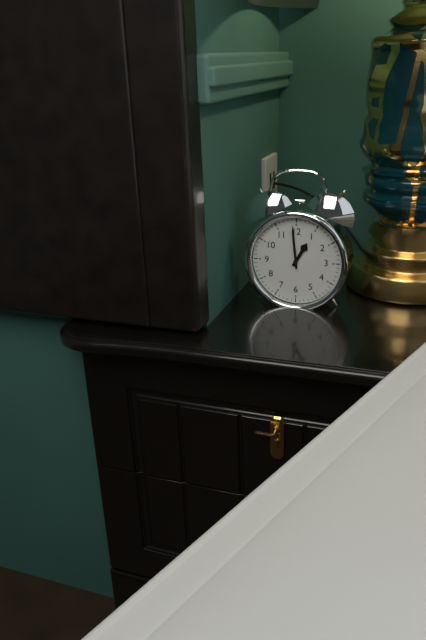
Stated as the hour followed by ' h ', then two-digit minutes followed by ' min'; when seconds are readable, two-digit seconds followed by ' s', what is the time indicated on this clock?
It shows 12 h 59 min
